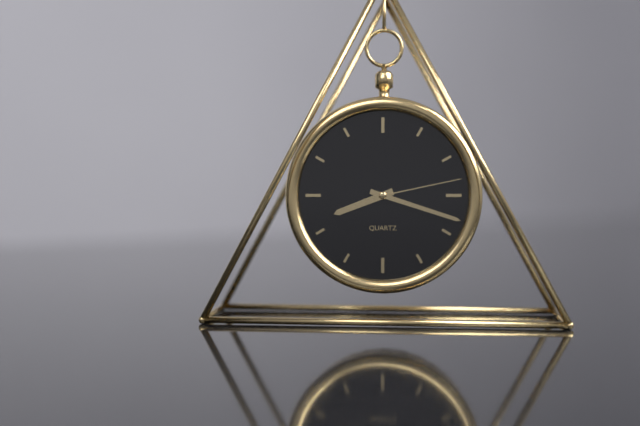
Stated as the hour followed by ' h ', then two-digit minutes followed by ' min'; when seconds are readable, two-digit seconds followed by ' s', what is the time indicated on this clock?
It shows 8 h 18 min 13 s
